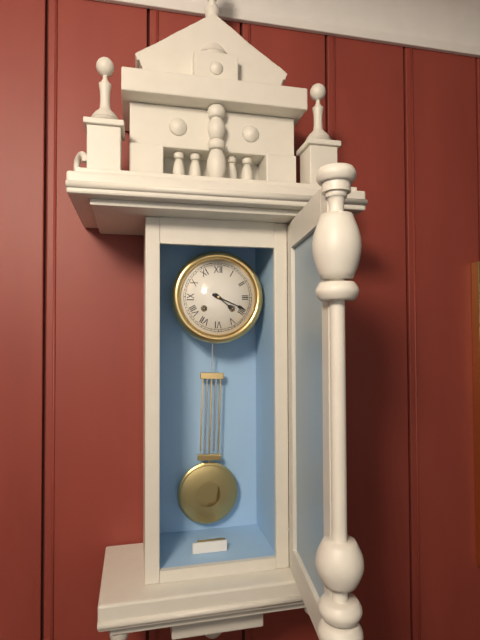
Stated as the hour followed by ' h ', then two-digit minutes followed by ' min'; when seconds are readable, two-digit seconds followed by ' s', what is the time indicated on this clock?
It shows 4 h 19 min
